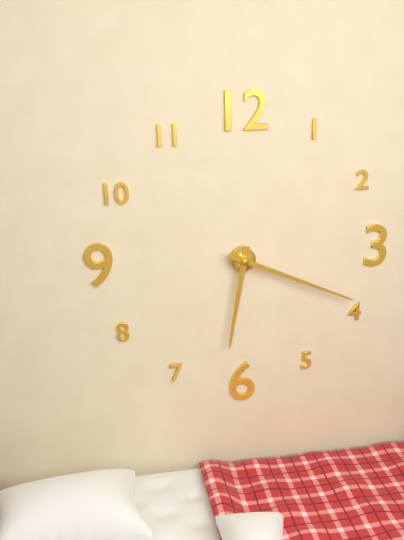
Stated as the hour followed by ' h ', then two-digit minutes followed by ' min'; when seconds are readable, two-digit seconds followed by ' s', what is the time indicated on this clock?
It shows 6 h 19 min
